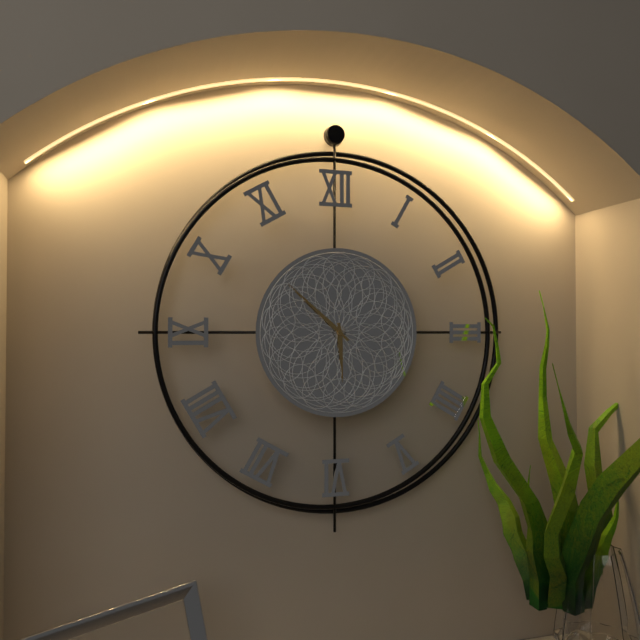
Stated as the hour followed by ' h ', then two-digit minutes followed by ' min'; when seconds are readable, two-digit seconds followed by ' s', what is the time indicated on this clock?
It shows 5 h 52 min
